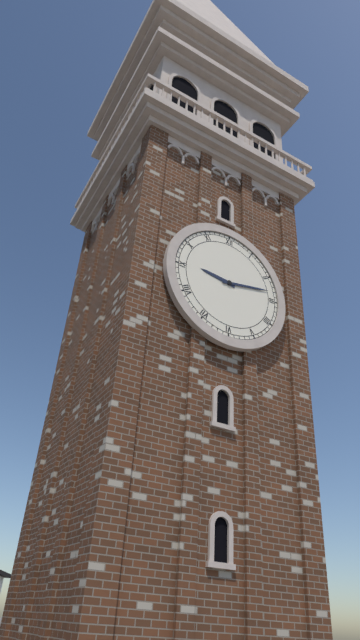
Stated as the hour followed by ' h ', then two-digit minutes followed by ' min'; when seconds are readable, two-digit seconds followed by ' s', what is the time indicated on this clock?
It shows 9 h 13 min
